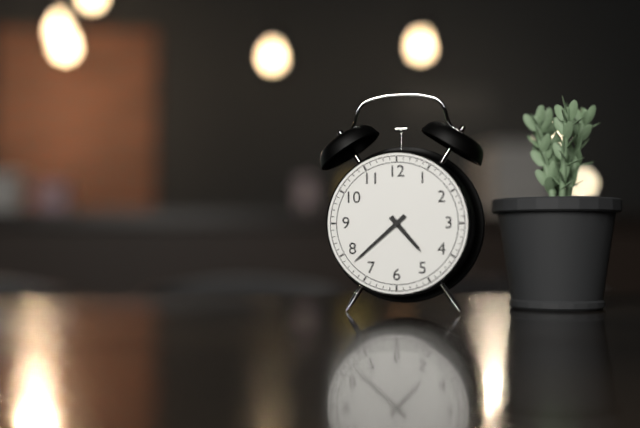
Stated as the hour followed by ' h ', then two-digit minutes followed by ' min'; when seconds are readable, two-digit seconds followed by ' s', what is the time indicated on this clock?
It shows 4 h 38 min
